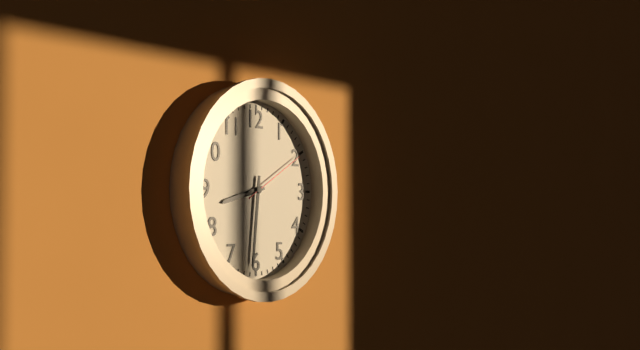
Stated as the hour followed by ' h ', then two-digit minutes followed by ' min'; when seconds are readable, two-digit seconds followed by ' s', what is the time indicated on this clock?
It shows 8 h 31 min 10 s
